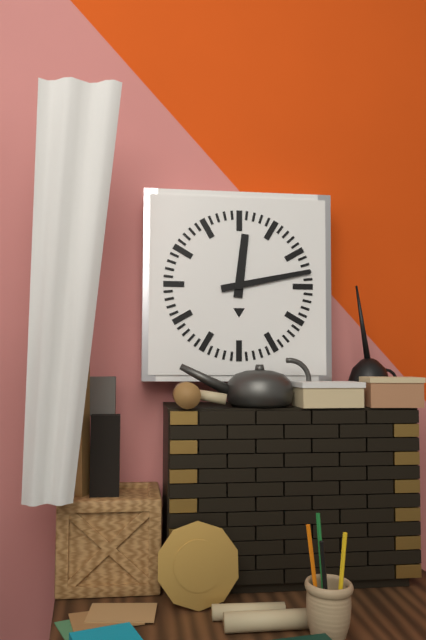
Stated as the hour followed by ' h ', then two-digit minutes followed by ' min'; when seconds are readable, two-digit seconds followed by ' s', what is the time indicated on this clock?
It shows 12 h 13 min
